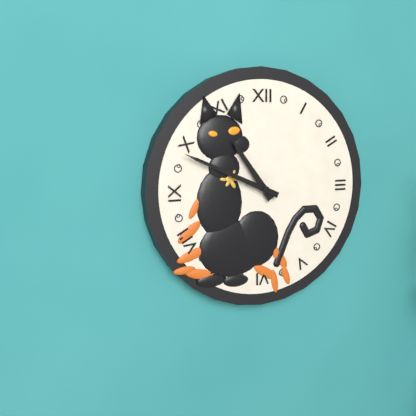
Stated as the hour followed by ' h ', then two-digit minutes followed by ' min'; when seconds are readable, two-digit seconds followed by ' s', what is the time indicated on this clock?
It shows 10 h 49 min
